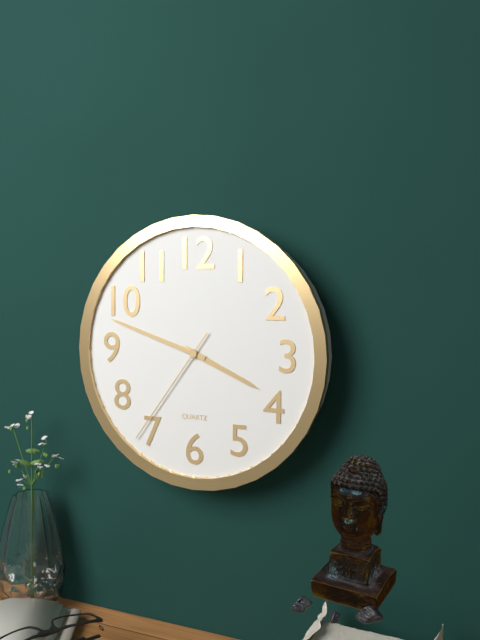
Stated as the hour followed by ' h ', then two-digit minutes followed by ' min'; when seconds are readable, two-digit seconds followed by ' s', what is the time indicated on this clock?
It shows 3 h 48 min 36 s
